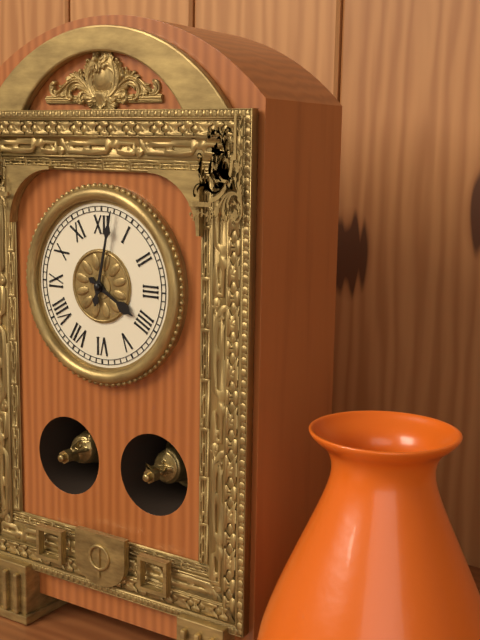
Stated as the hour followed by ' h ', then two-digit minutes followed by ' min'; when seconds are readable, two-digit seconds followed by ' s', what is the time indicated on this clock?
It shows 4 h 02 min
